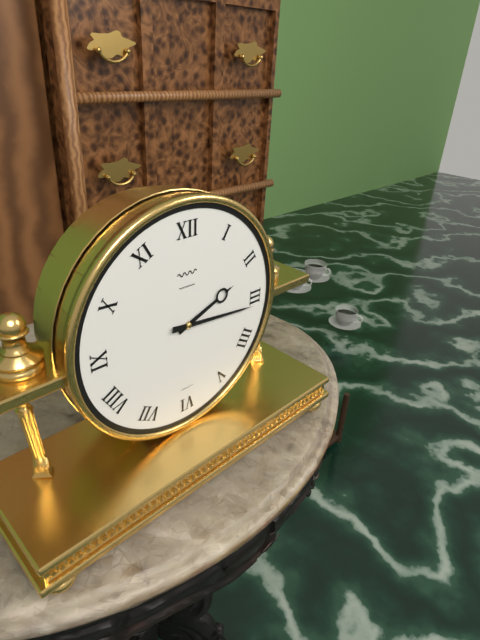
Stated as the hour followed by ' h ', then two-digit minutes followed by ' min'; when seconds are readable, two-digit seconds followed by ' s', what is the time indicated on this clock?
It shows 2 h 16 min
